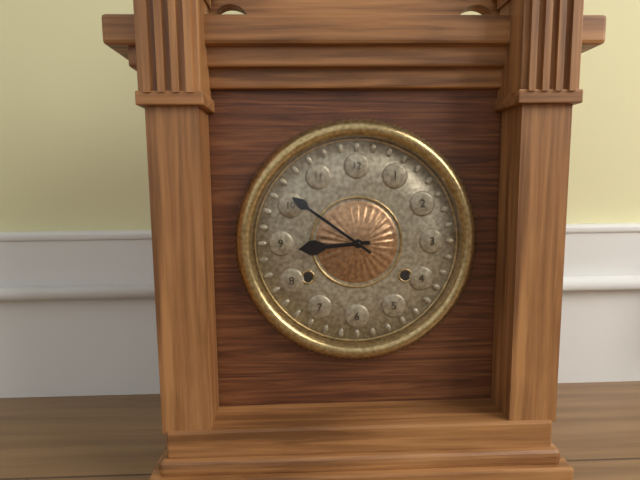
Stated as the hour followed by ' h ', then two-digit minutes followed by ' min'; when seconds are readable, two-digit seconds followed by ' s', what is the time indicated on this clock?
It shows 8 h 51 min
